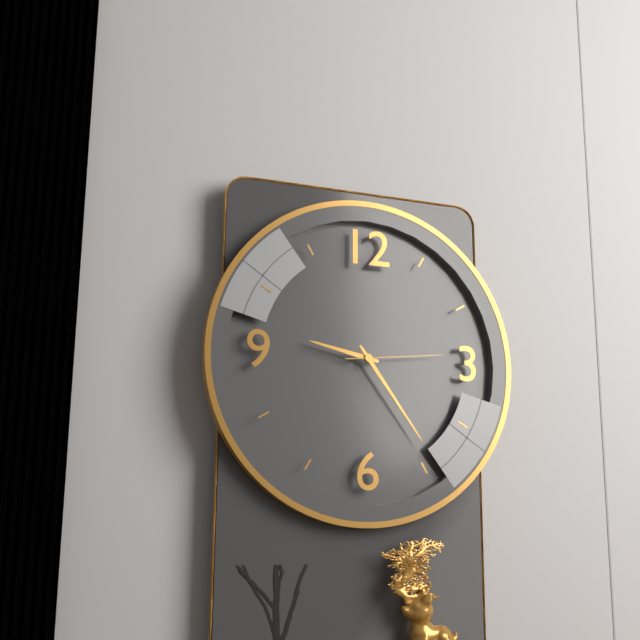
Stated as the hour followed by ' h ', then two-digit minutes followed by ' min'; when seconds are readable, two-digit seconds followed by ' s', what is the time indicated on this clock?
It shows 9 h 24 min 14 s
